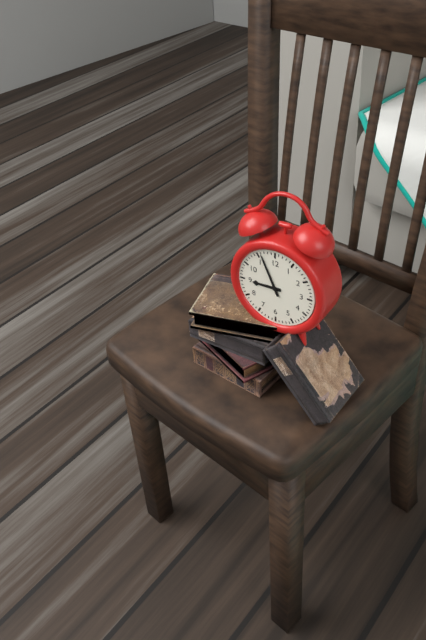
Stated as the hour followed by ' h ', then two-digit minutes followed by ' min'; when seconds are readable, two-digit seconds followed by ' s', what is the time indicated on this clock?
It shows 8 h 56 min
